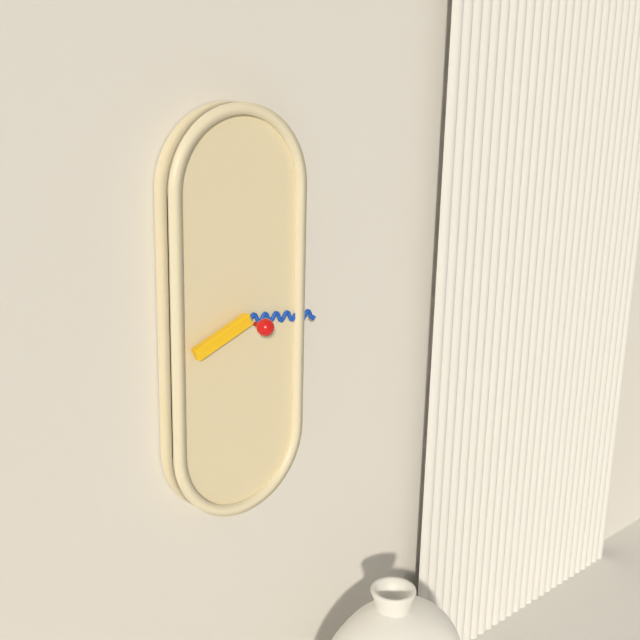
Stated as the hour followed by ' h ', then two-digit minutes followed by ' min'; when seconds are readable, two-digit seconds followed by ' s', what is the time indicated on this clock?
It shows 8 h 16 min
